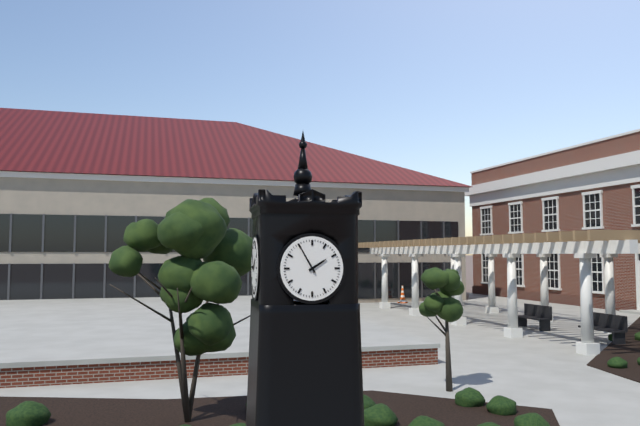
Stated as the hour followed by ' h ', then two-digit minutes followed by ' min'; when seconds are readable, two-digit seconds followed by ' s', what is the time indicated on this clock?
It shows 1 h 55 min
